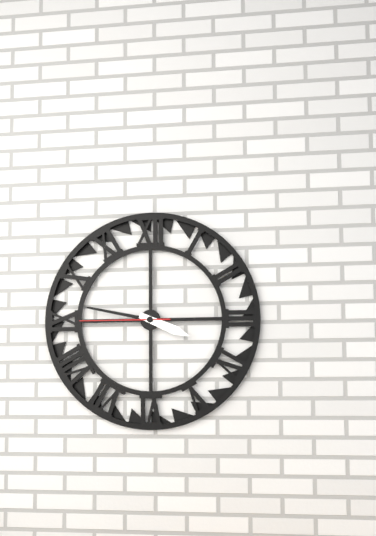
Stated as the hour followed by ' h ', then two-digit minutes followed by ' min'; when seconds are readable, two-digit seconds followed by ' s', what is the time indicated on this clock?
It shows 3 h 47 min 45 s
